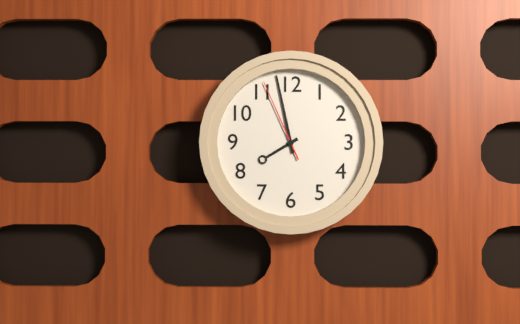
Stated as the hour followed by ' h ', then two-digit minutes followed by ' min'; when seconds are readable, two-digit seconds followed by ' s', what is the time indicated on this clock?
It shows 7 h 58 min 56 s
